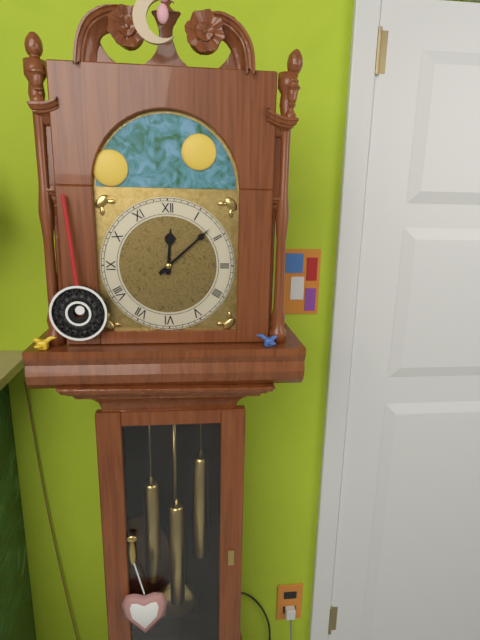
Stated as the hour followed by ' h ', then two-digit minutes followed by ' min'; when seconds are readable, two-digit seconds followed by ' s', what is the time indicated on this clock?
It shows 12 h 08 min
